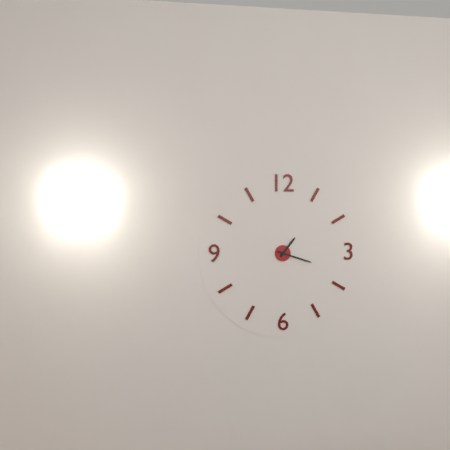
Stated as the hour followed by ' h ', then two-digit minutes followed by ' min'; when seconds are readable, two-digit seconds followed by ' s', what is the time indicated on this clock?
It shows 1 h 18 min
